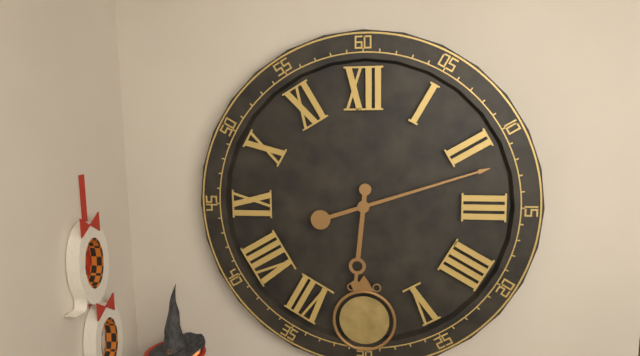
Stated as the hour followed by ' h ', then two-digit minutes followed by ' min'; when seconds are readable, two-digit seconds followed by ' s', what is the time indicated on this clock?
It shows 6 h 12 min
